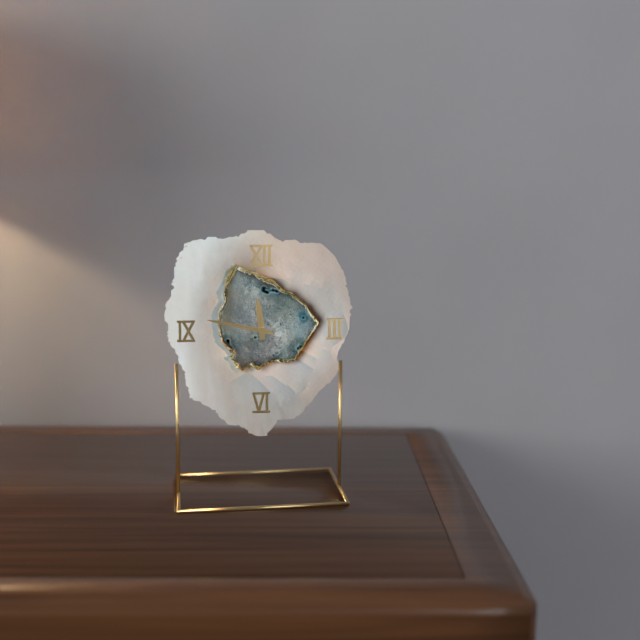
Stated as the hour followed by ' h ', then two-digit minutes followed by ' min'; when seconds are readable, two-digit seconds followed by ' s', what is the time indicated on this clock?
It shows 11 h 47 min
